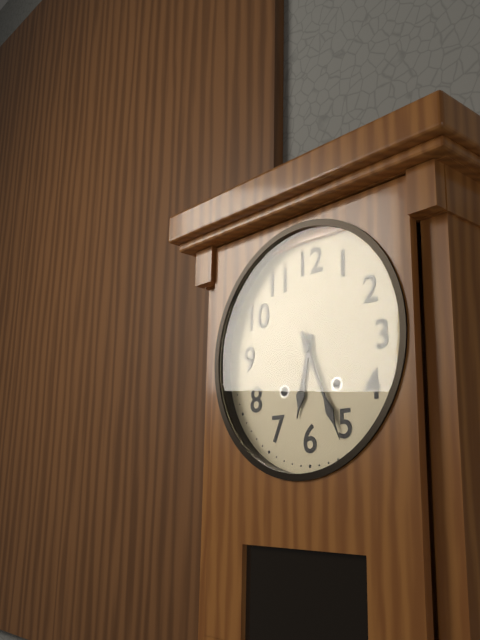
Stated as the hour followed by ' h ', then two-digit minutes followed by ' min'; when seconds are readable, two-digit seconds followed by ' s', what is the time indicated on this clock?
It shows 6 h 26 min
